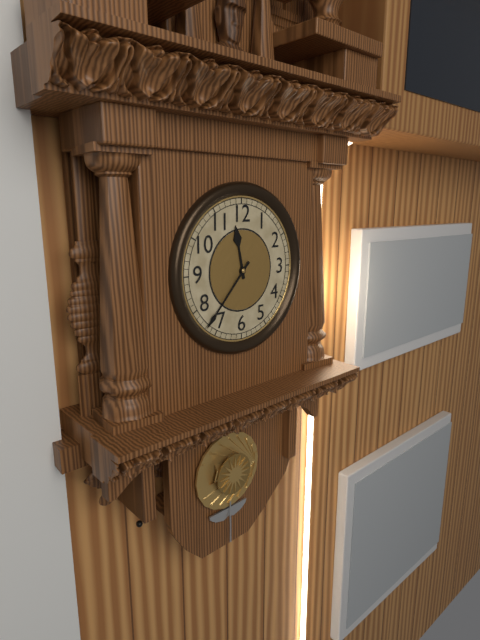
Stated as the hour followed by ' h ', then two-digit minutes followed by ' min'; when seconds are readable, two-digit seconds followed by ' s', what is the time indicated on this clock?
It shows 11 h 37 min
